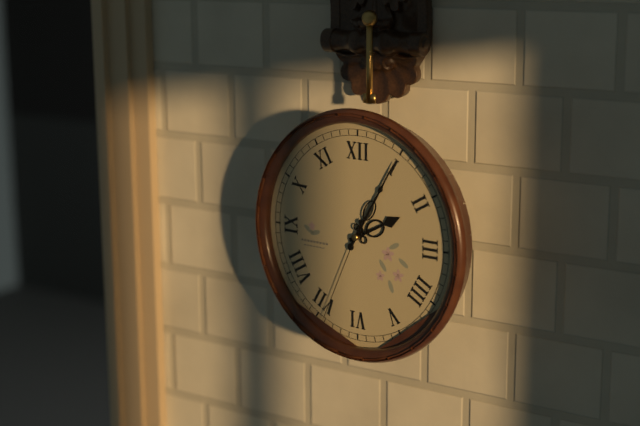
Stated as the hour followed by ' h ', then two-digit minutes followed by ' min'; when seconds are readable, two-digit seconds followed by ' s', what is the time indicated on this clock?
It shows 2 h 05 min 34 s
